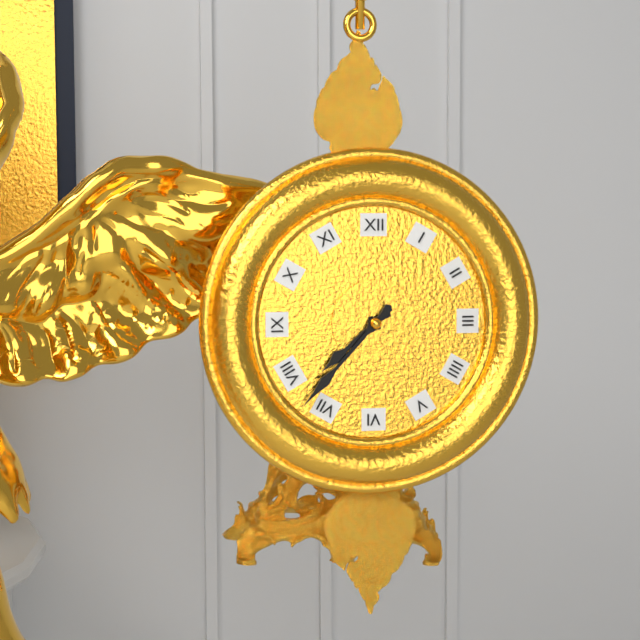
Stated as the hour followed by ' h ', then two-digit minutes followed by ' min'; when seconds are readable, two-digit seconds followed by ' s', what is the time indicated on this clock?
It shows 7 h 37 min
